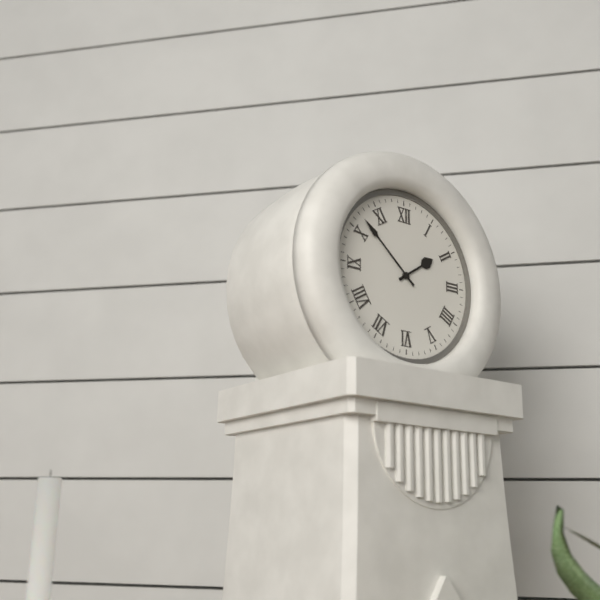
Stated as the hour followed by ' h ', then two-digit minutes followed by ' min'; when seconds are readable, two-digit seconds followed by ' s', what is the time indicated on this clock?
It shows 1 h 52 min
